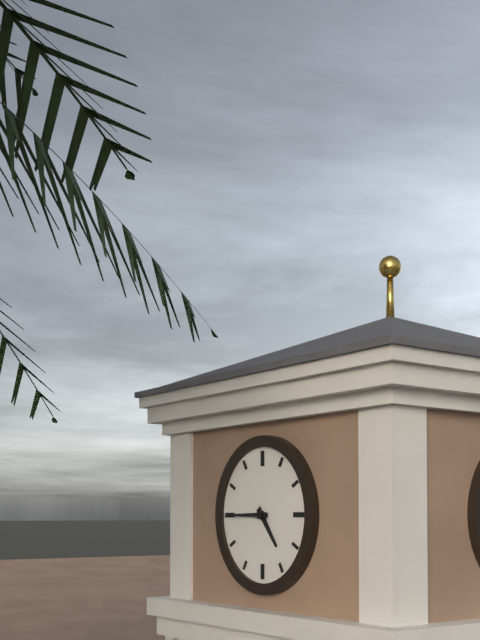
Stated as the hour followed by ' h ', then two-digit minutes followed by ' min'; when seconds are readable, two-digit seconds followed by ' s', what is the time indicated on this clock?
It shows 4 h 45 min
